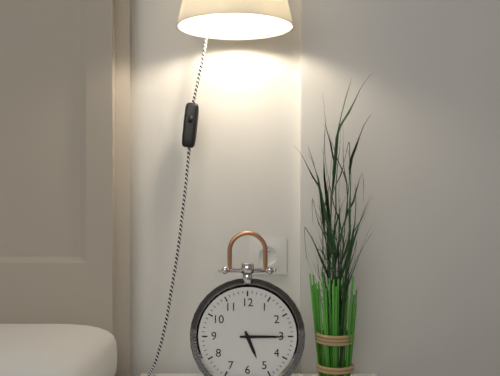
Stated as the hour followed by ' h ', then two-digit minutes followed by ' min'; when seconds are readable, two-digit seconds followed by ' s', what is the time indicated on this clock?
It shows 5 h 15 min
